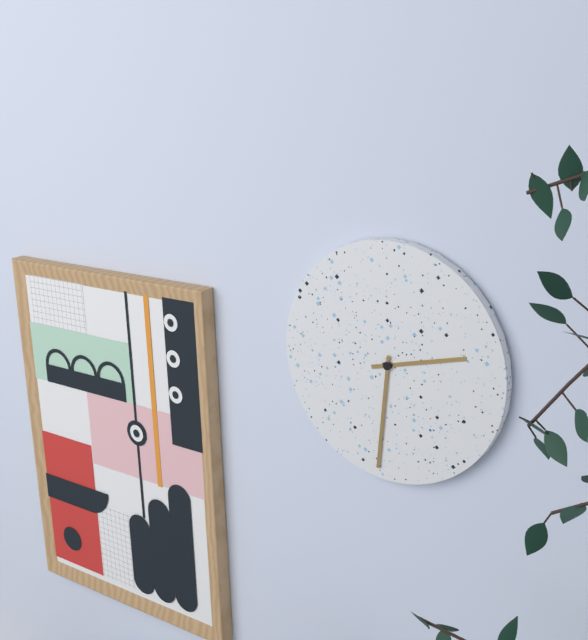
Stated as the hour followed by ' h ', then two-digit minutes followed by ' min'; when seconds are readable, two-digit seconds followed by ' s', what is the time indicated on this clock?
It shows 2 h 31 min
